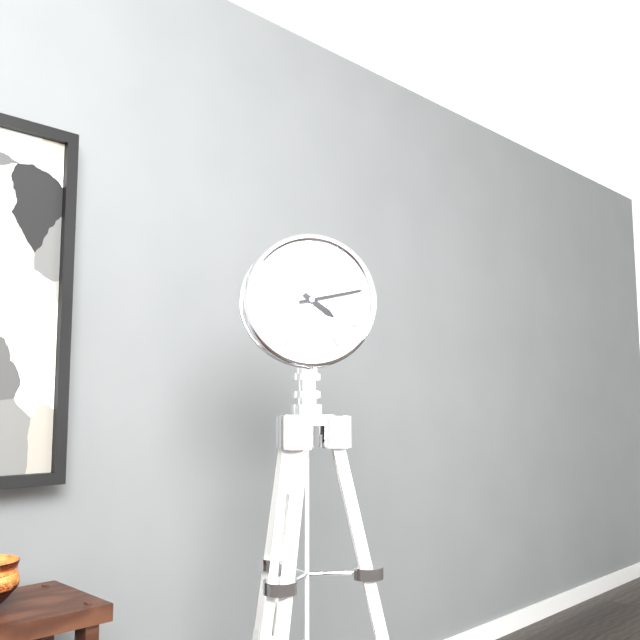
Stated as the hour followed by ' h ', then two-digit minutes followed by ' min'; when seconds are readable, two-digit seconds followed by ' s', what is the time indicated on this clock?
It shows 4 h 13 min
